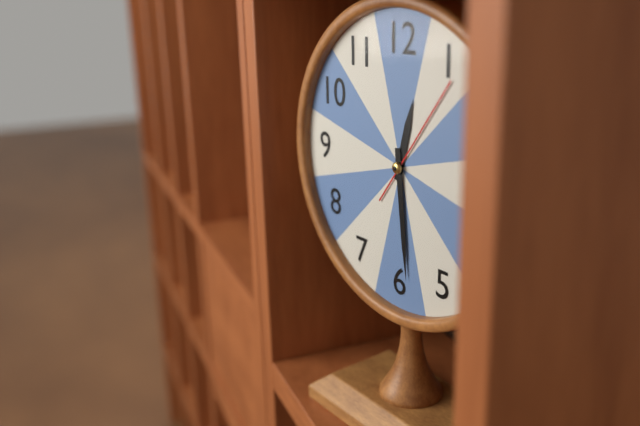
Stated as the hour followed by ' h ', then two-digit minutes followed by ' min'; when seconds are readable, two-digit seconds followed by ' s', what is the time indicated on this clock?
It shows 12 h 29 min 06 s
